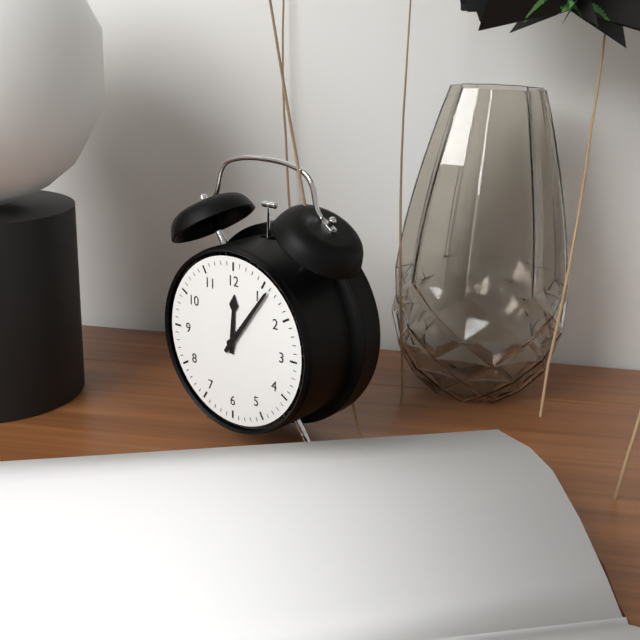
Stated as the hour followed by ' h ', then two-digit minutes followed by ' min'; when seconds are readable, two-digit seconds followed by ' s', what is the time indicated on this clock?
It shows 12 h 06 min
